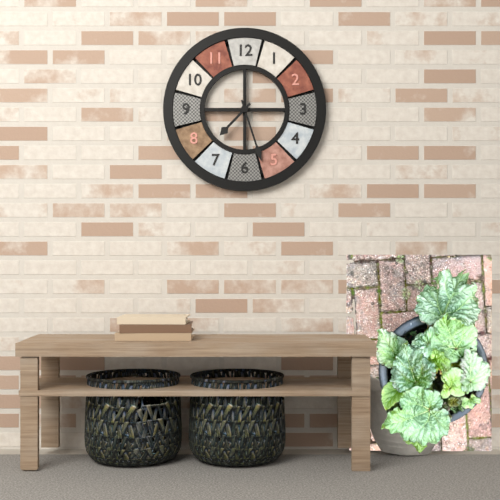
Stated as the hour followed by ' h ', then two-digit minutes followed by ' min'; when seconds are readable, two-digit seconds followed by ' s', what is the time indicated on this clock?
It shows 7 h 27 min
